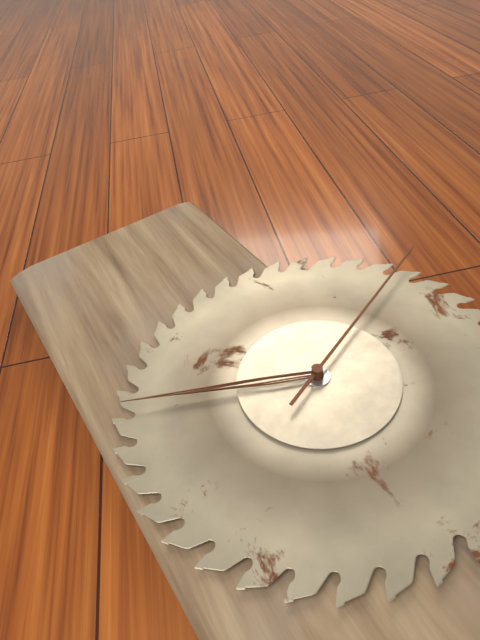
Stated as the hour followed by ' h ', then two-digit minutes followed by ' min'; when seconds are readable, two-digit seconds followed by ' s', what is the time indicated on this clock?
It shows 9 h 49 min 11 s
